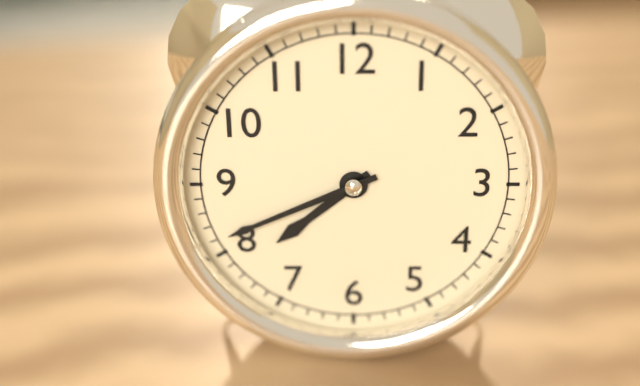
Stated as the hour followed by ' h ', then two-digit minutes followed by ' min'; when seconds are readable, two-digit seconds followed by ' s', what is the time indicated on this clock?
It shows 7 h 41 min
